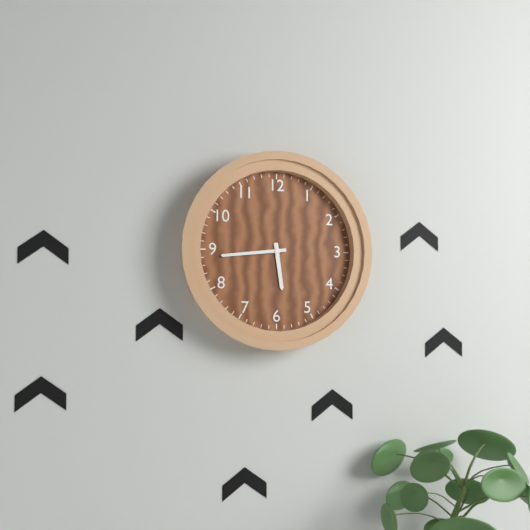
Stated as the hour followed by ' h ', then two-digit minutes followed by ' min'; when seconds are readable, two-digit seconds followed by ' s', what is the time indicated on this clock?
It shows 5 h 44 min
